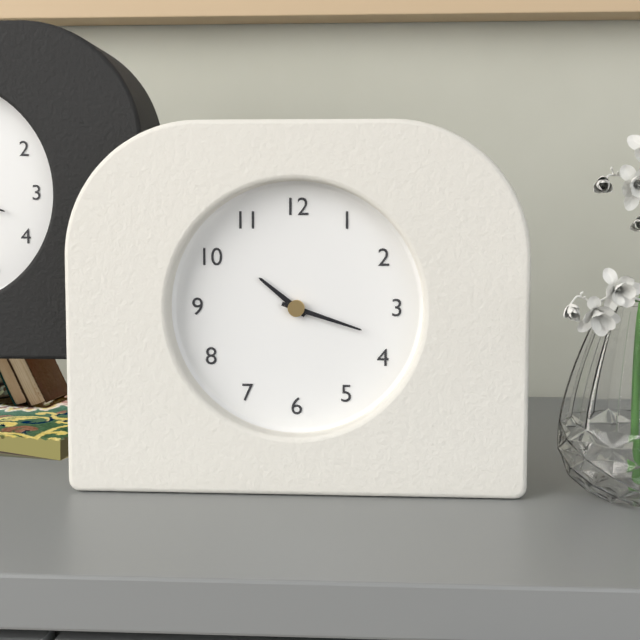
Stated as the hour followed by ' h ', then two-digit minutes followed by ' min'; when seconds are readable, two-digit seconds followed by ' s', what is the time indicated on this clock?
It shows 10 h 18 min
